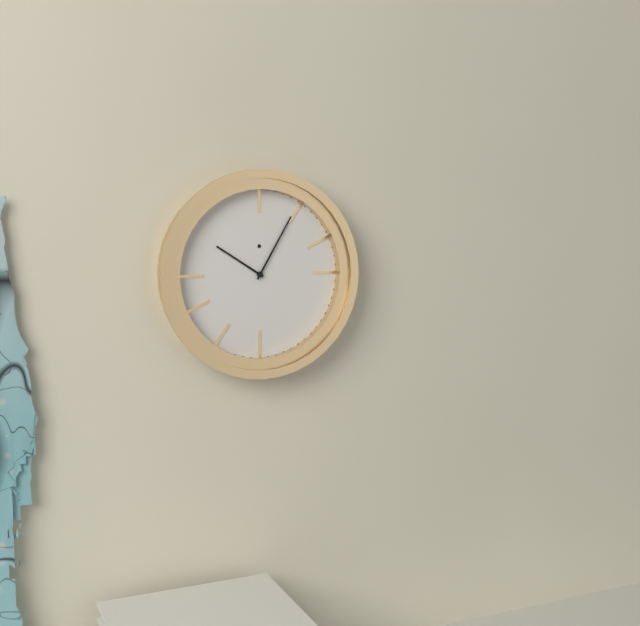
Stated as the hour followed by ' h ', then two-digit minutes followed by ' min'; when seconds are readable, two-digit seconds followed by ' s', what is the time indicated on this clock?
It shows 10 h 05 min
